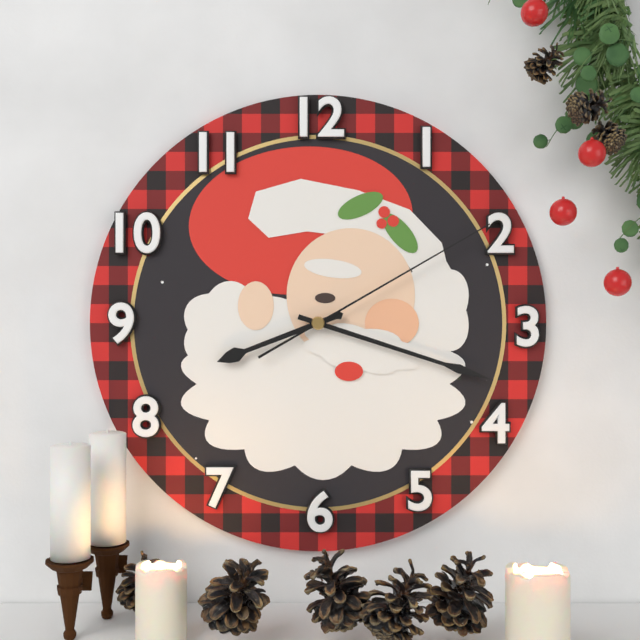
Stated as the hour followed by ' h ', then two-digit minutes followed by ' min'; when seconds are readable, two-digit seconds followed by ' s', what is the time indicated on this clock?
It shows 8 h 18 min 10 s
